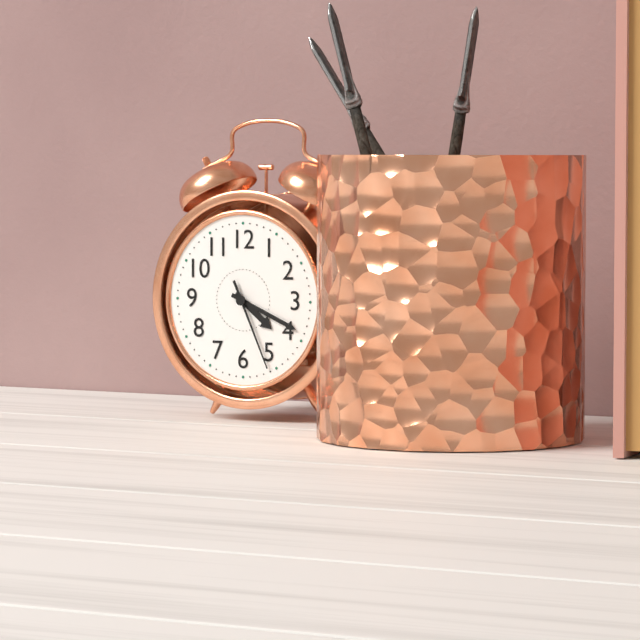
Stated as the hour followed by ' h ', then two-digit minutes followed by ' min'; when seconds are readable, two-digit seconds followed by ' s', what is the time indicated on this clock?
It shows 4 h 19 min 26 s
